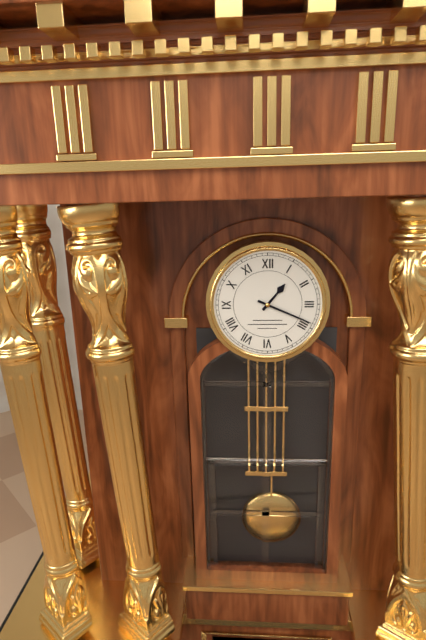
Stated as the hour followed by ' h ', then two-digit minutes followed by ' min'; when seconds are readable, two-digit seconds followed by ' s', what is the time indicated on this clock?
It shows 1 h 19 min
